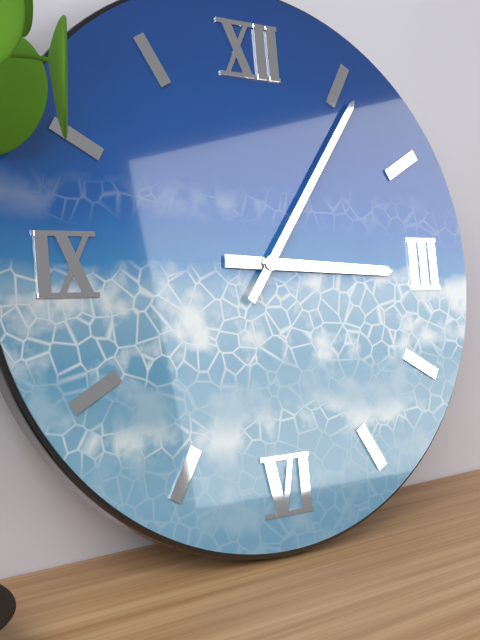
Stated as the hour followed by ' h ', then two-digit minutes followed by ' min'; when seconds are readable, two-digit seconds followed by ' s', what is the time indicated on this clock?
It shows 3 h 06 min
